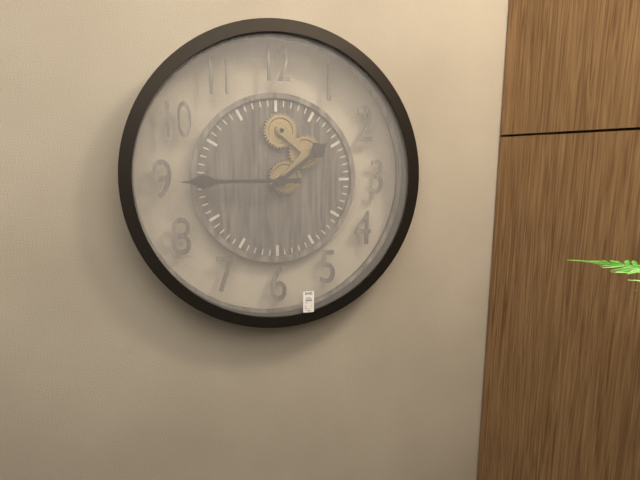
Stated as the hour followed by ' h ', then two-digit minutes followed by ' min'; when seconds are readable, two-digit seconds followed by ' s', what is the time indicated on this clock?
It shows 1 h 45 min
